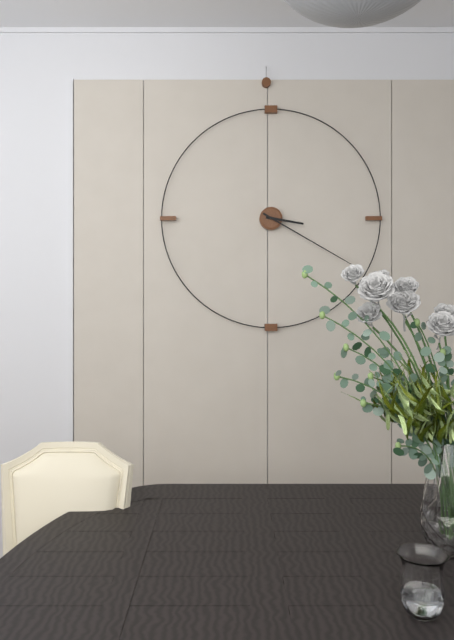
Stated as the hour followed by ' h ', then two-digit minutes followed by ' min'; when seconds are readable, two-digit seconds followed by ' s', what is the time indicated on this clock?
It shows 3 h 20 min
